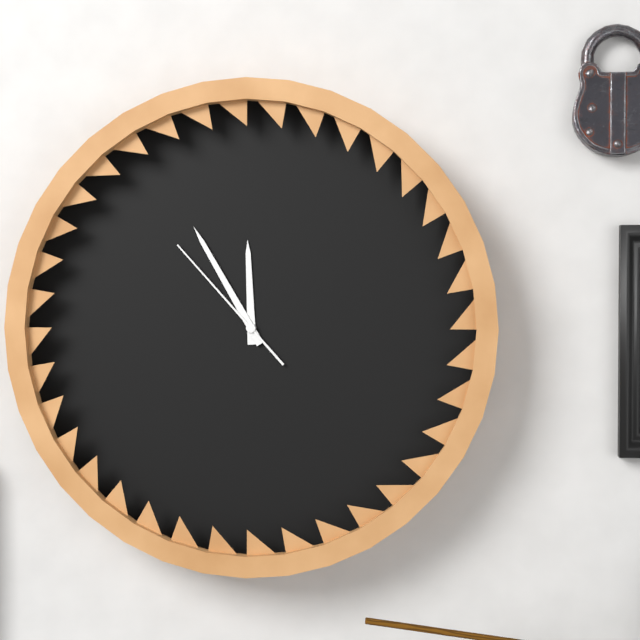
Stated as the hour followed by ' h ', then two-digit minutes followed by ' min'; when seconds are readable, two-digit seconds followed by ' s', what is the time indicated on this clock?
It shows 11 h 55 min 53 s
